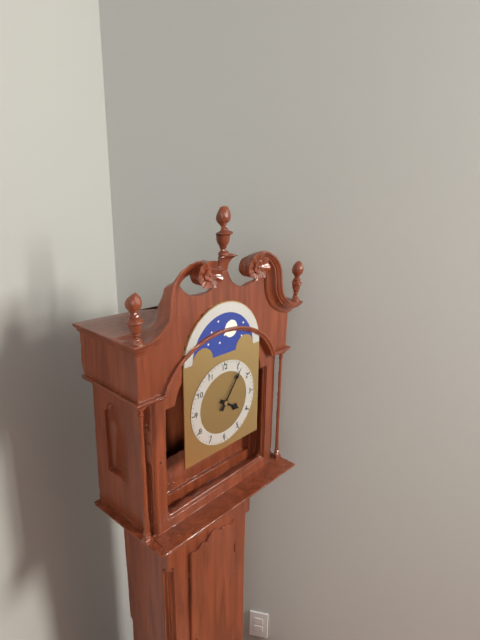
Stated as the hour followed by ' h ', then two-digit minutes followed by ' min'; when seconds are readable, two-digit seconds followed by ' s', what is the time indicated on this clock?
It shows 4 h 06 min
